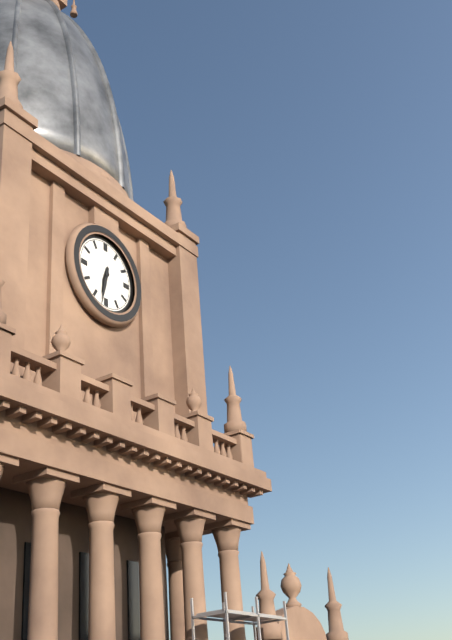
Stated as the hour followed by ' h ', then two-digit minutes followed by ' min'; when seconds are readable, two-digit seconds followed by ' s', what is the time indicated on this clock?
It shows 6 h 32 min
